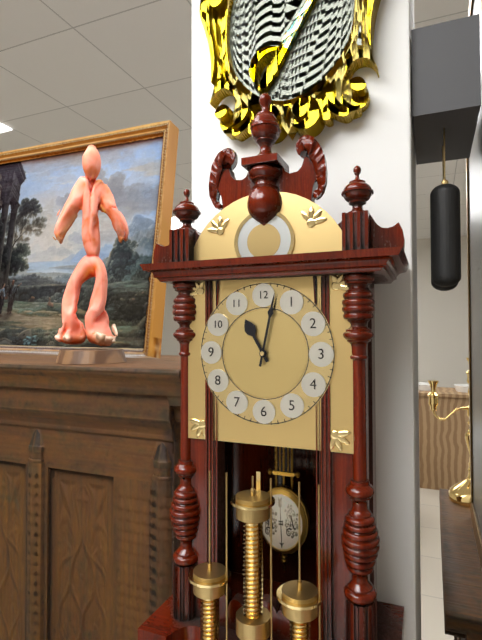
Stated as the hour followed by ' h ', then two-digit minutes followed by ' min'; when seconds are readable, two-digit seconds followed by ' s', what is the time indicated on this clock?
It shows 11 h 02 min
